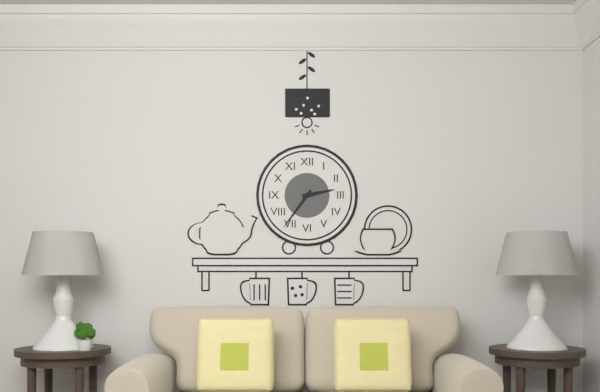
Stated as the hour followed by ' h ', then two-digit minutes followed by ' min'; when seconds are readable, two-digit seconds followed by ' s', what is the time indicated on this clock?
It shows 2 h 36 min
